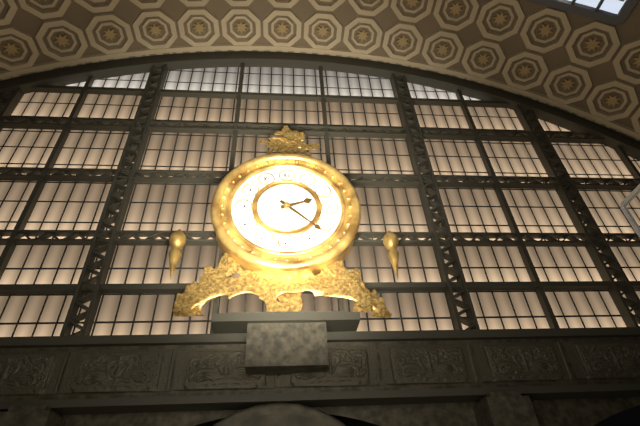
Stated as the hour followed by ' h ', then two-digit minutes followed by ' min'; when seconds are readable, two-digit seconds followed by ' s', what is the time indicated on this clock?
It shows 2 h 22 min
